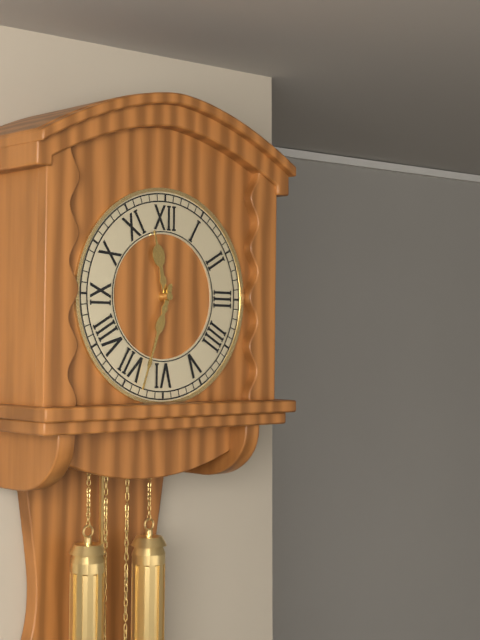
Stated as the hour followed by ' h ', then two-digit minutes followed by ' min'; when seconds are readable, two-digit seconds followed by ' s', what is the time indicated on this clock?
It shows 11 h 33 min
